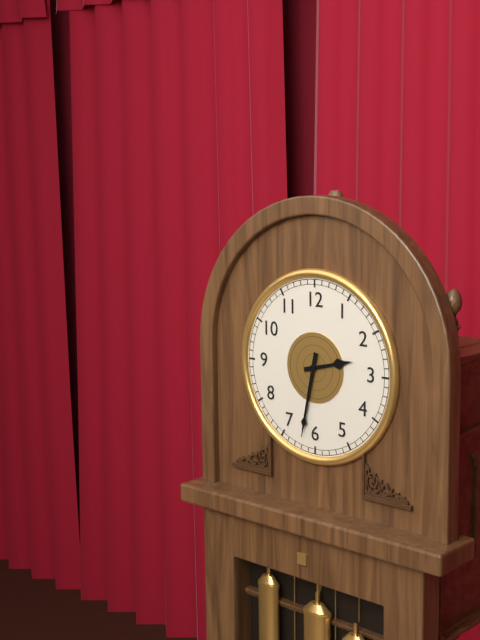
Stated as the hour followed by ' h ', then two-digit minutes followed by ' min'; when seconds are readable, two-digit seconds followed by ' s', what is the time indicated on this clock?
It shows 2 h 32 min
